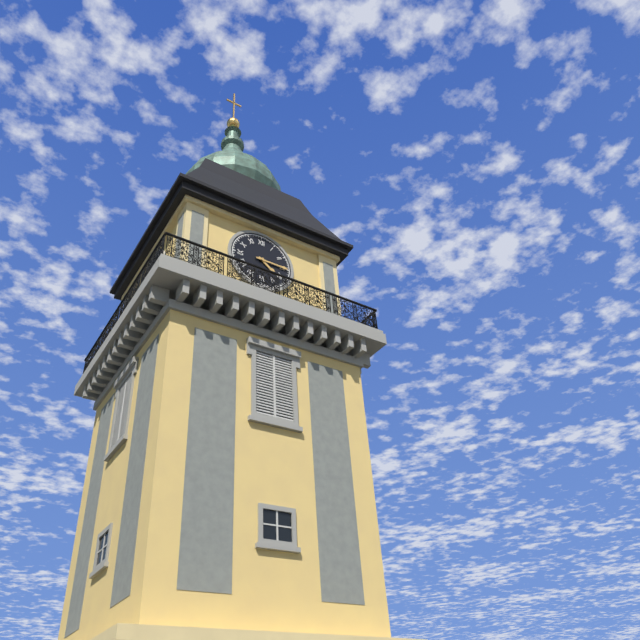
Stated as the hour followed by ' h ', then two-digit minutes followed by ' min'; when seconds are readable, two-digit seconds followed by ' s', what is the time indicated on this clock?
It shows 4 h 15 min
